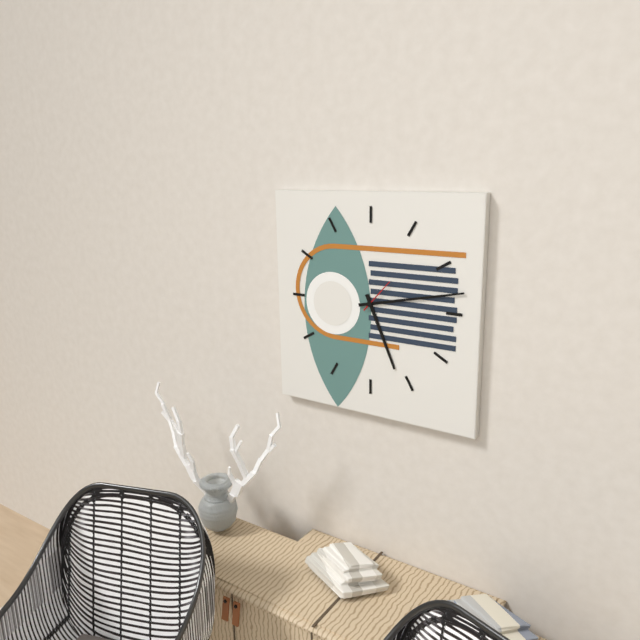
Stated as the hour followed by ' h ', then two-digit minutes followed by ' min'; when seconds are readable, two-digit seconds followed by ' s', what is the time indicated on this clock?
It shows 5 h 13 min
